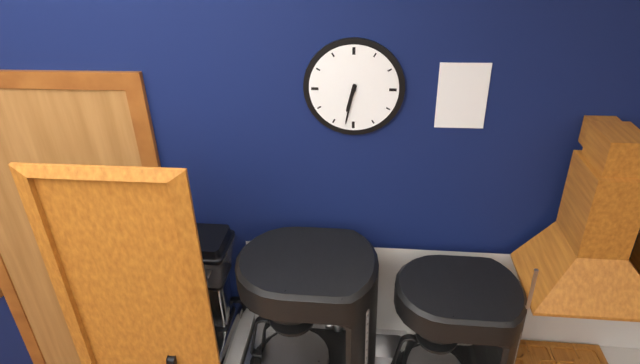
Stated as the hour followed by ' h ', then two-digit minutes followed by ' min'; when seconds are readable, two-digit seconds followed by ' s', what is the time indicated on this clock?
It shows 6 h 32 min
